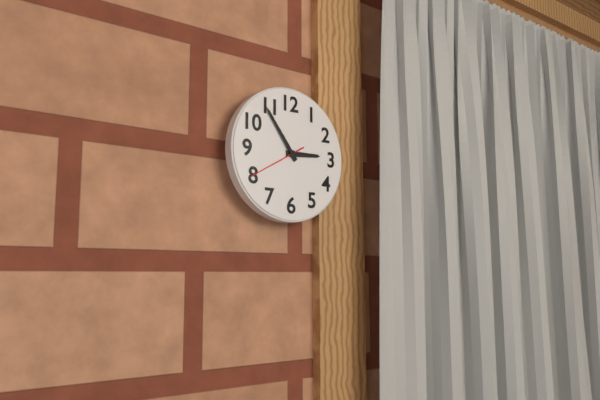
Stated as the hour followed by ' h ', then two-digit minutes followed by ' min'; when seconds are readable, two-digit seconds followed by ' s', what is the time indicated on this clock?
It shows 2 h 54 min 40 s
